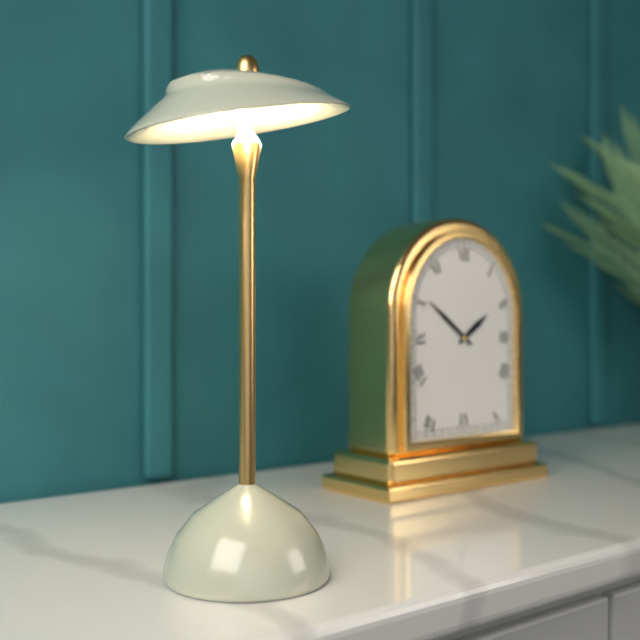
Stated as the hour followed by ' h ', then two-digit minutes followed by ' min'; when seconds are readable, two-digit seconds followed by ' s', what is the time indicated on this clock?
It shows 1 h 51 min
